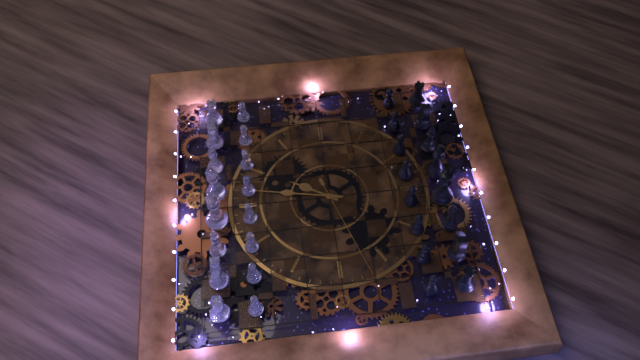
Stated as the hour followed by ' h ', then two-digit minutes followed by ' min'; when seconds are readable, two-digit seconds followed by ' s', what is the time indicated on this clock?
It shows 1 h 02 min 42 s
